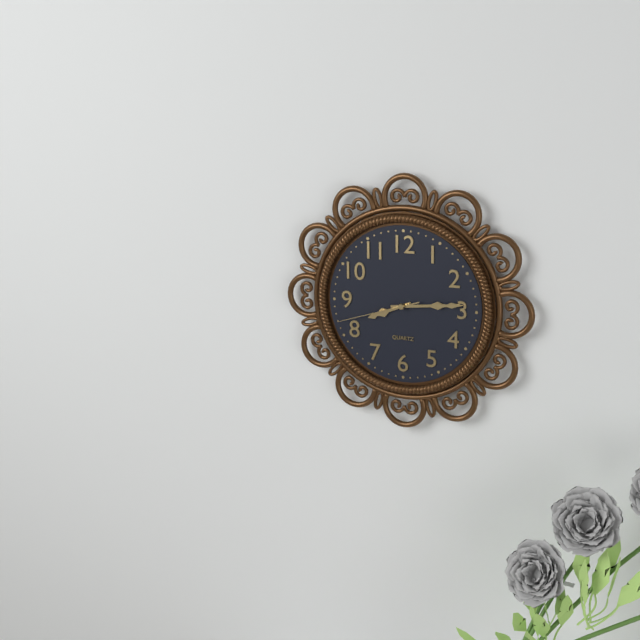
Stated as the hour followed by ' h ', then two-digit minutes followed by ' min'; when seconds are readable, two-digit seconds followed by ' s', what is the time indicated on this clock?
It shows 8 h 14 min 42 s
